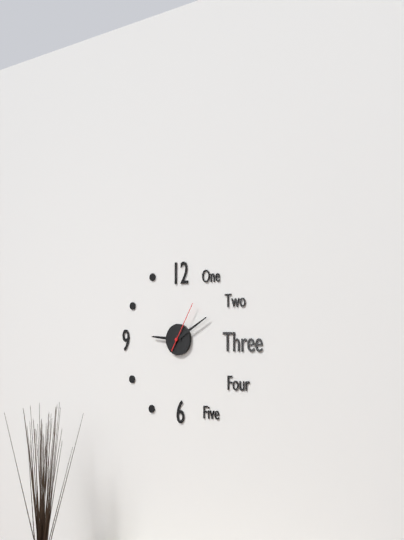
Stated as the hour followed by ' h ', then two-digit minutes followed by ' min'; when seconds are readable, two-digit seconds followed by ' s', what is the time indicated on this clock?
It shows 9 h 10 min
